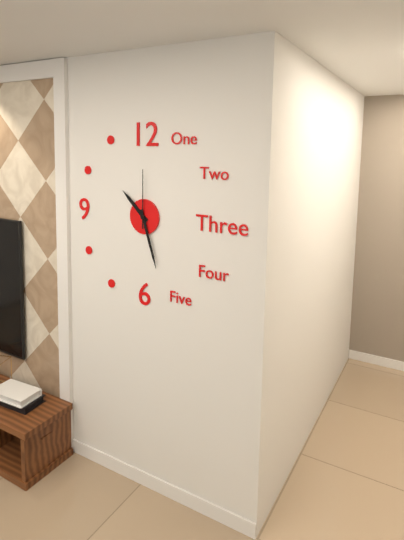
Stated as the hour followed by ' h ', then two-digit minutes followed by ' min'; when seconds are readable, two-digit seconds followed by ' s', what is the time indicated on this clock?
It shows 10 h 27 min 00 s
